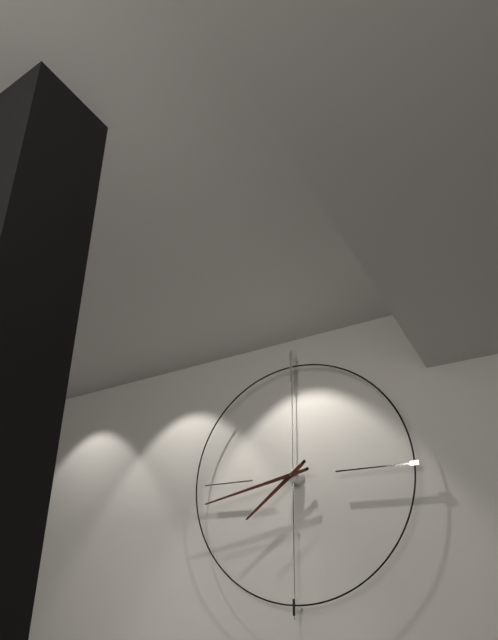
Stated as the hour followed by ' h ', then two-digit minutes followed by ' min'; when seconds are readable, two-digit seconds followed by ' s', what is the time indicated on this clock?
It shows 7 h 43 min
